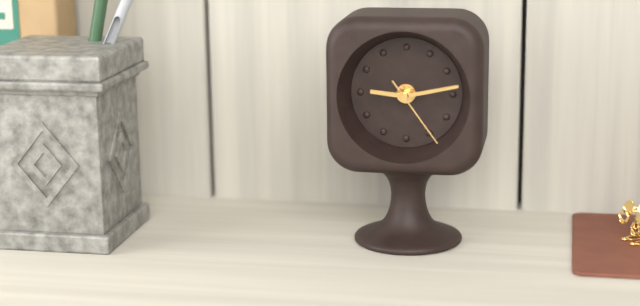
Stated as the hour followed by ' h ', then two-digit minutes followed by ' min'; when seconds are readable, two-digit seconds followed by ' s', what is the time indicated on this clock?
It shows 9 h 13 min 24 s
